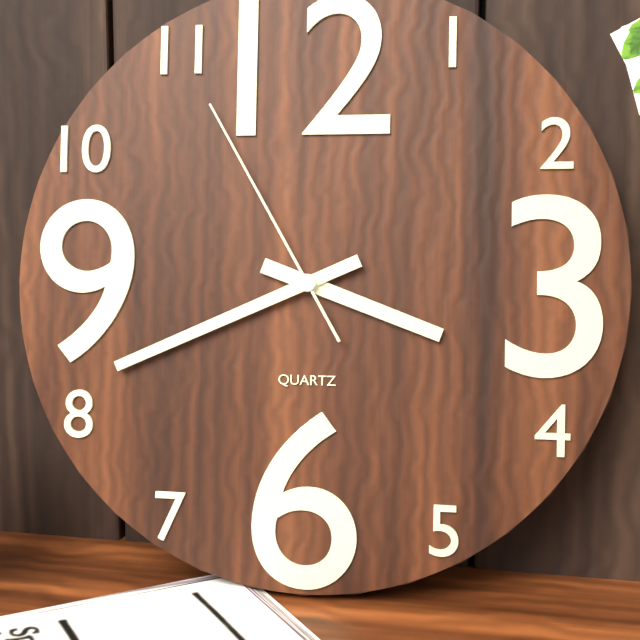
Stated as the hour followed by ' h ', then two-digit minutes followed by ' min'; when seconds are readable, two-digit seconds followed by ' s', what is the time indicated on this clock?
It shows 3 h 41 min 55 s
